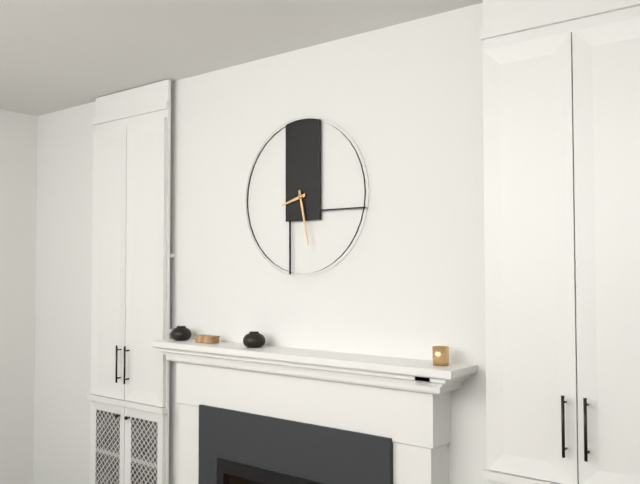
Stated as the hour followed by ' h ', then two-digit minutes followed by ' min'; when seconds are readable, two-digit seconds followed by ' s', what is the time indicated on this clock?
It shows 8 h 28 min
